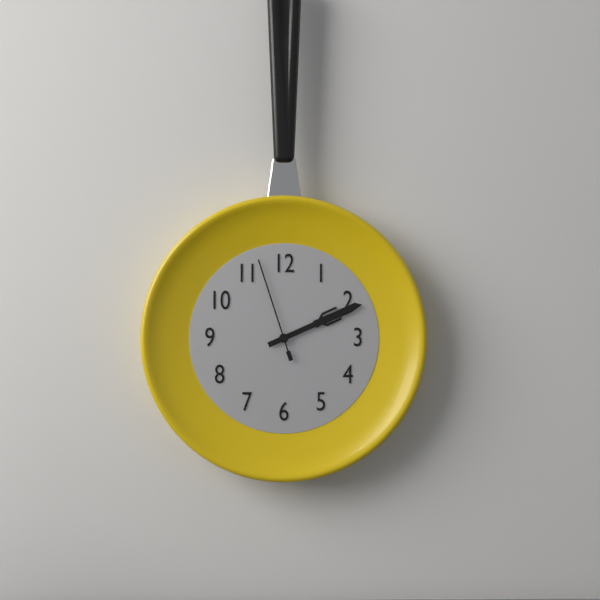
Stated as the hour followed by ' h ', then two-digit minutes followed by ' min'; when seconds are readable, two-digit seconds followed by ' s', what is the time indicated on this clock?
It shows 2 h 11 min 57 s
